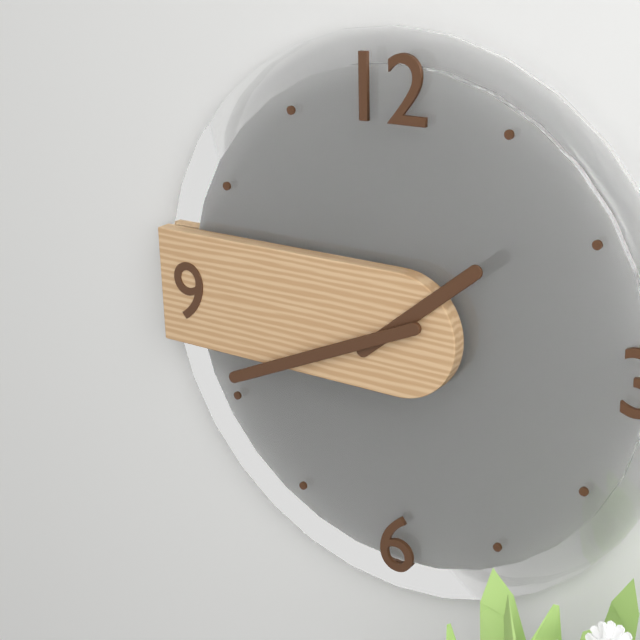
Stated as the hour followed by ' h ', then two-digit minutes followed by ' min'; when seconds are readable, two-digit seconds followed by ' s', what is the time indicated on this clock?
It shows 1 h 41 min
